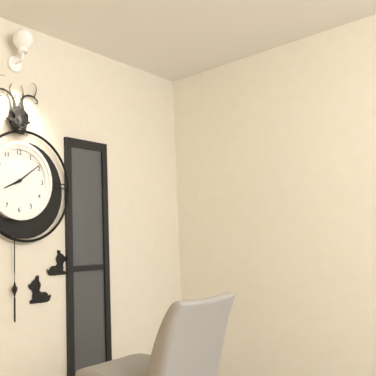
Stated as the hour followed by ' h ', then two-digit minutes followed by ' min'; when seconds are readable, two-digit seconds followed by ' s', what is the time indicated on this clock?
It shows 8 h 09 min
